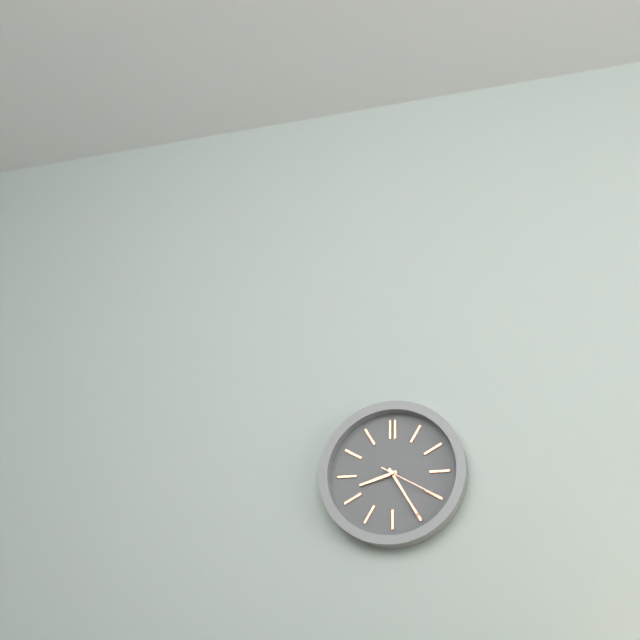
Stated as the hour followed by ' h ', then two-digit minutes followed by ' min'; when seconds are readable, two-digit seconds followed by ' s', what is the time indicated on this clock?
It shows 8 h 25 min 20 s
